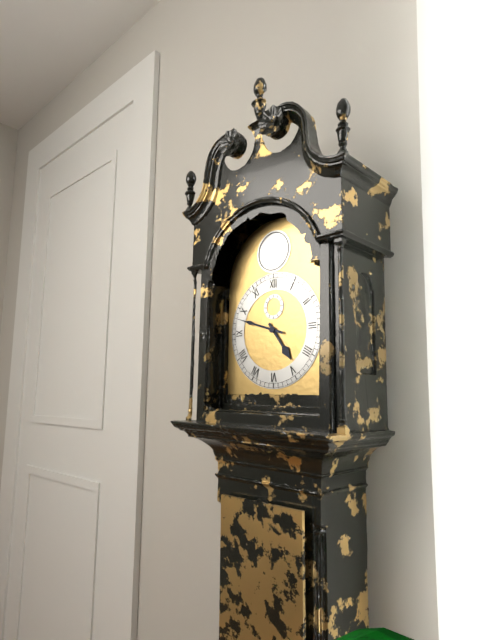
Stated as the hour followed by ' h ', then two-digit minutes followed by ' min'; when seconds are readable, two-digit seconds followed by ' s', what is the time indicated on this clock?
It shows 4 h 48 min
